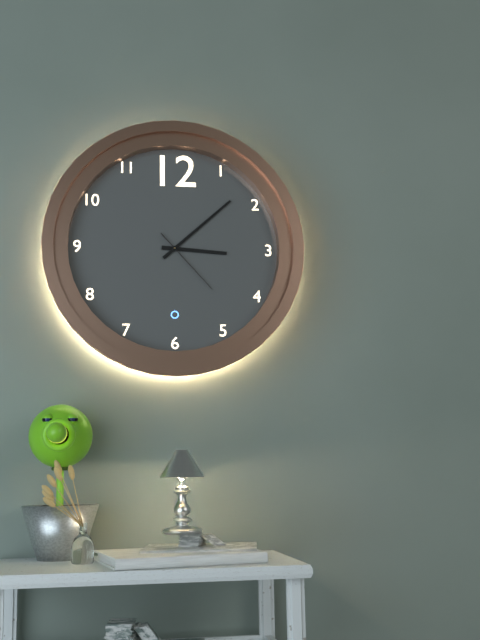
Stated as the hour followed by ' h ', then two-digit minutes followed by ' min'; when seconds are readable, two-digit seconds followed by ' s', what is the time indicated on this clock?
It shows 3 h 08 min 23 s
